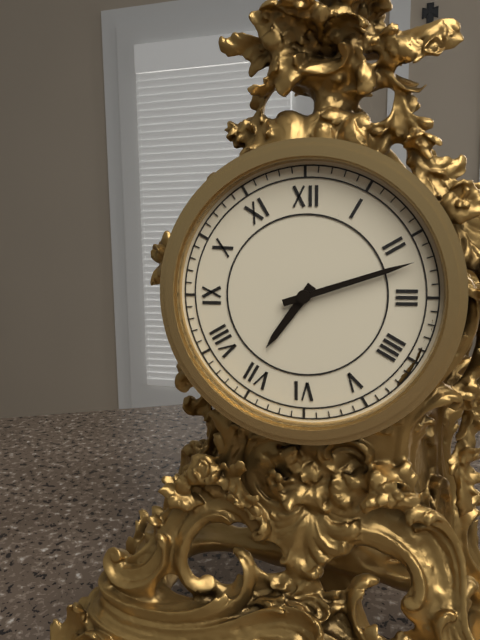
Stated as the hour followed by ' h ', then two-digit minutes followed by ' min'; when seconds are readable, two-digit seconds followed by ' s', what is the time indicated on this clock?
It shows 7 h 12 min
